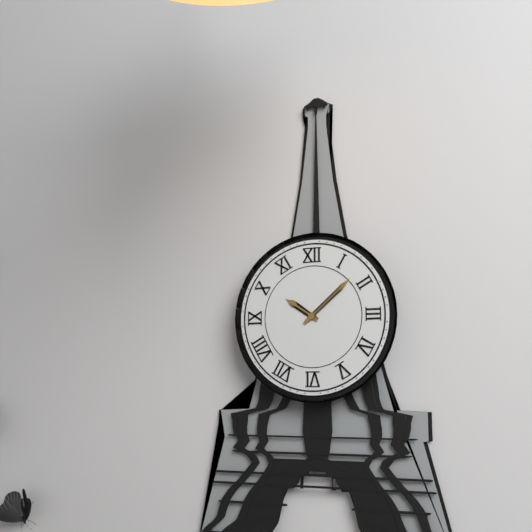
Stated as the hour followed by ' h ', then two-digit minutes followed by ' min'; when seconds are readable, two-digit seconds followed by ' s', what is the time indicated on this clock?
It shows 10 h 08 min
